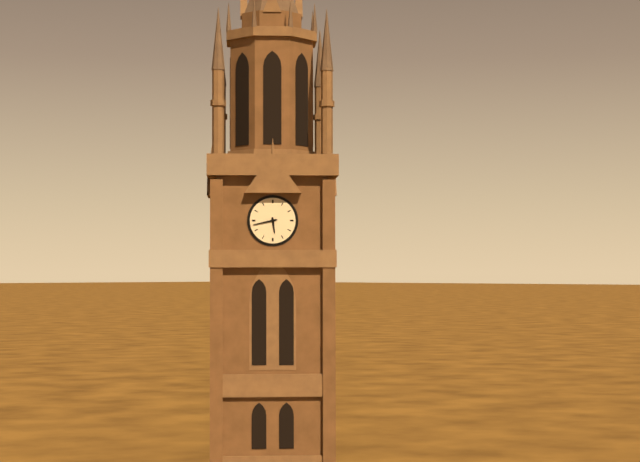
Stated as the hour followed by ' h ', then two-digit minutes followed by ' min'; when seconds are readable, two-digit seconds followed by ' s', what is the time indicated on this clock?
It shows 5 h 43 min
